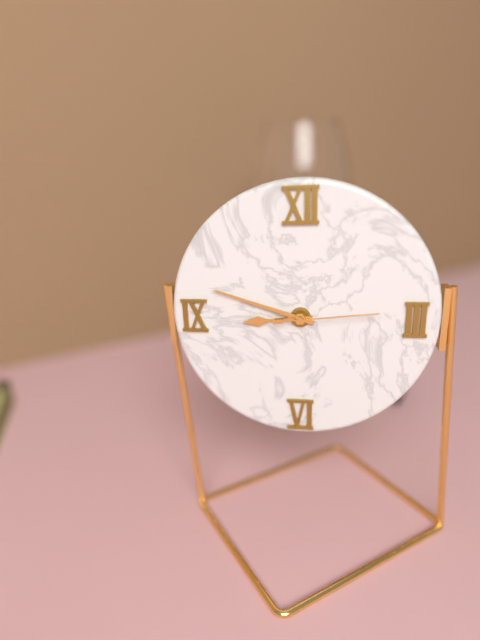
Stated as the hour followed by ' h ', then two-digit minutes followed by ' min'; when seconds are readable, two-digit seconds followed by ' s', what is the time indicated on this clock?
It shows 8 h 48 min 14 s
